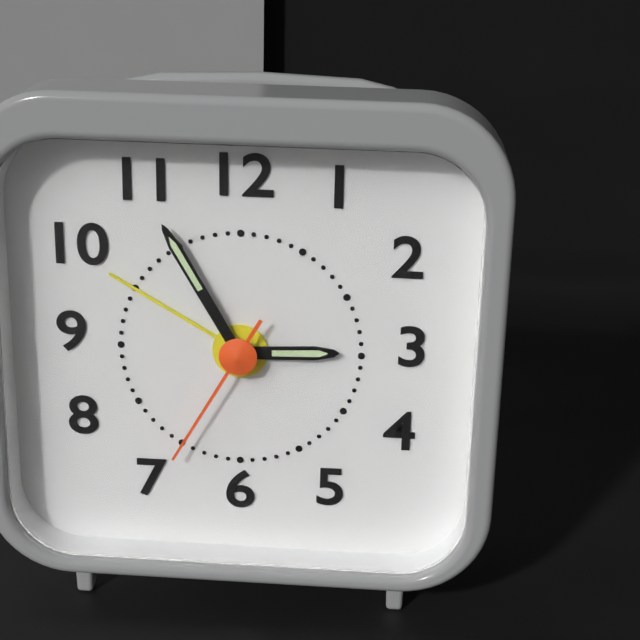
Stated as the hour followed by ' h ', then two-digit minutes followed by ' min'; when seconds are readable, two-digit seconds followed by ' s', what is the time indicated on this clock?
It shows 2 h 55 min 35 s
